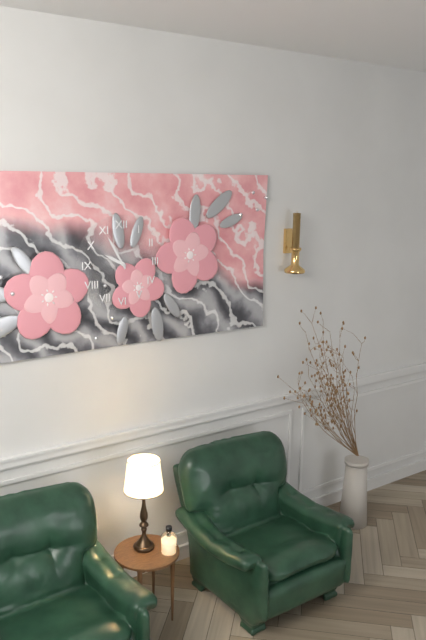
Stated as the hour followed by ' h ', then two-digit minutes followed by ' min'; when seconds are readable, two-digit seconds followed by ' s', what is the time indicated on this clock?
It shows 9 h 55 min
